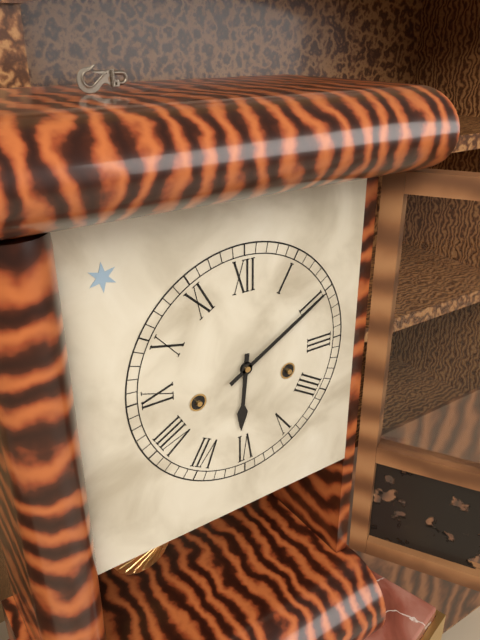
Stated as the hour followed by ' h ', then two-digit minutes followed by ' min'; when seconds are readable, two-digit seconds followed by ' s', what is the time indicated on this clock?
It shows 6 h 10 min
